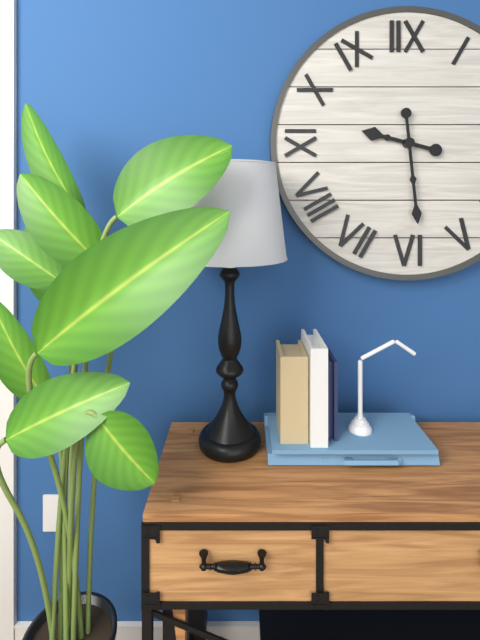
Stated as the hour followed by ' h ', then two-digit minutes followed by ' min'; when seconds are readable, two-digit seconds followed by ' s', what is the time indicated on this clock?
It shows 9 h 29 min
